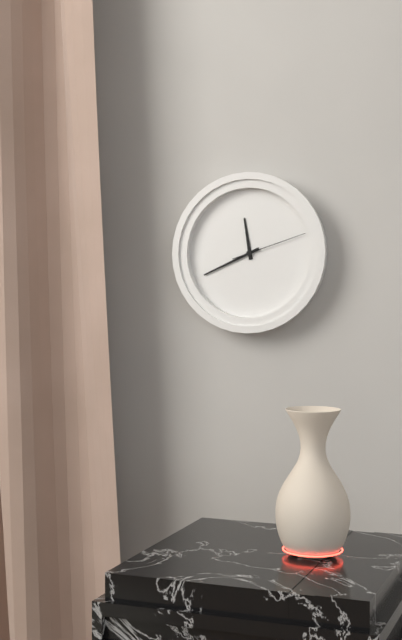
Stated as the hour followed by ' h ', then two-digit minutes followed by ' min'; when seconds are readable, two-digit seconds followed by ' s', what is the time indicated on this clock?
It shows 11 h 41 min 12 s
